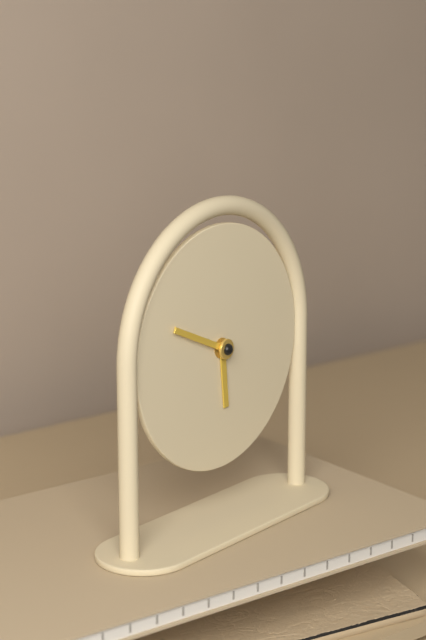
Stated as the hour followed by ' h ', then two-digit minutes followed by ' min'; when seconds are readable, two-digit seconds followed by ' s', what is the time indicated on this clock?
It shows 5 h 49 min
